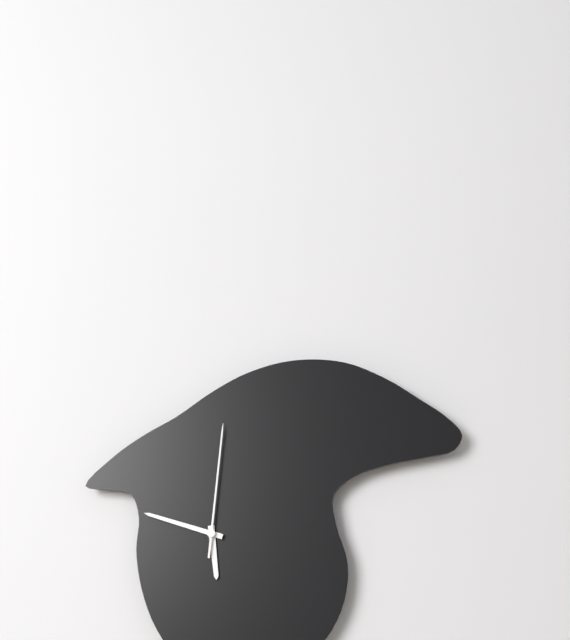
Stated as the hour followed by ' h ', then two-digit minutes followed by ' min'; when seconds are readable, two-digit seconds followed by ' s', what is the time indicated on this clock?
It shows 5 h 48 min 01 s
